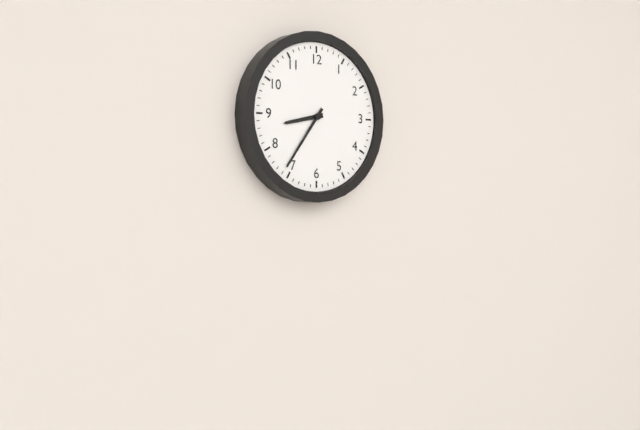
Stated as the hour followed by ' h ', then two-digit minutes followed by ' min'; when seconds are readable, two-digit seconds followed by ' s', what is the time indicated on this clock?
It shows 8 h 36 min
